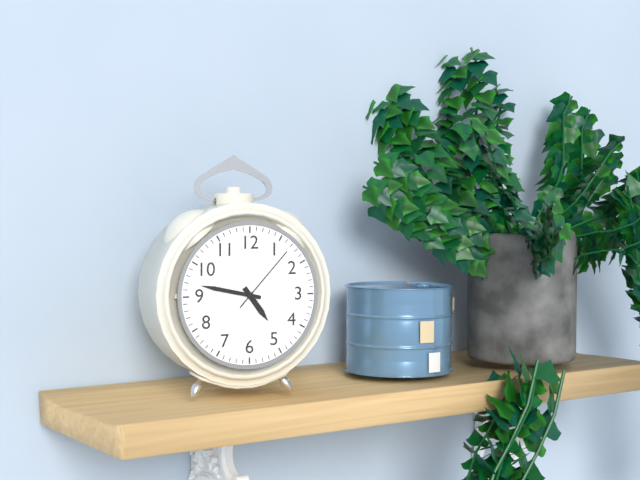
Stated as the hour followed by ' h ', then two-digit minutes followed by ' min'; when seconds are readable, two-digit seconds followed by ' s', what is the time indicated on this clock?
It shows 4 h 47 min 07 s
